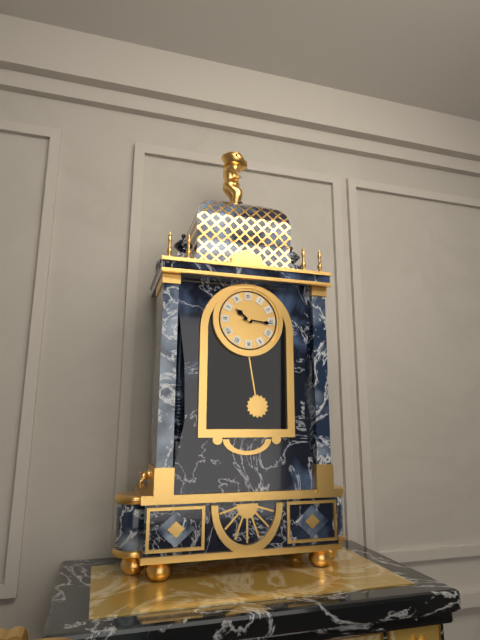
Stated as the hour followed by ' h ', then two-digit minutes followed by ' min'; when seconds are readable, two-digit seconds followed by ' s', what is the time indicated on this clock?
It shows 10 h 16 min
